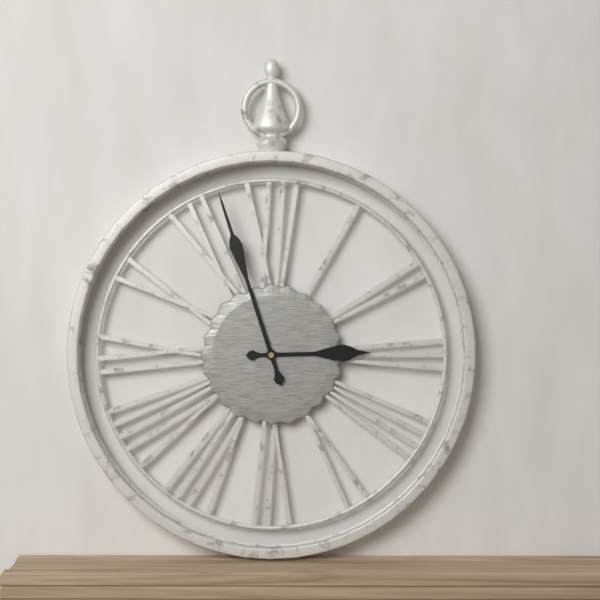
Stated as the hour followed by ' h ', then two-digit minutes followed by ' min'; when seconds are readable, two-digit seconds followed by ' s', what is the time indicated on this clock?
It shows 2 h 57 min
